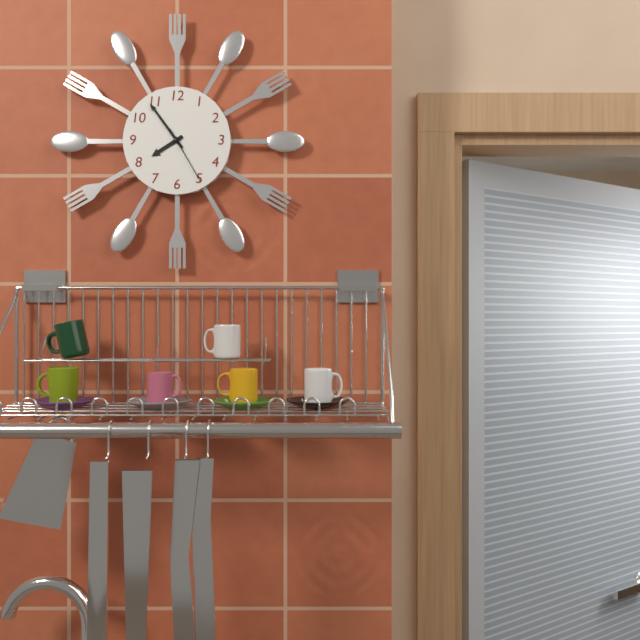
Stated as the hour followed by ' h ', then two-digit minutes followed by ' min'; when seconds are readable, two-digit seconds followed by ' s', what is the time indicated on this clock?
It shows 7 h 54 min 25 s
